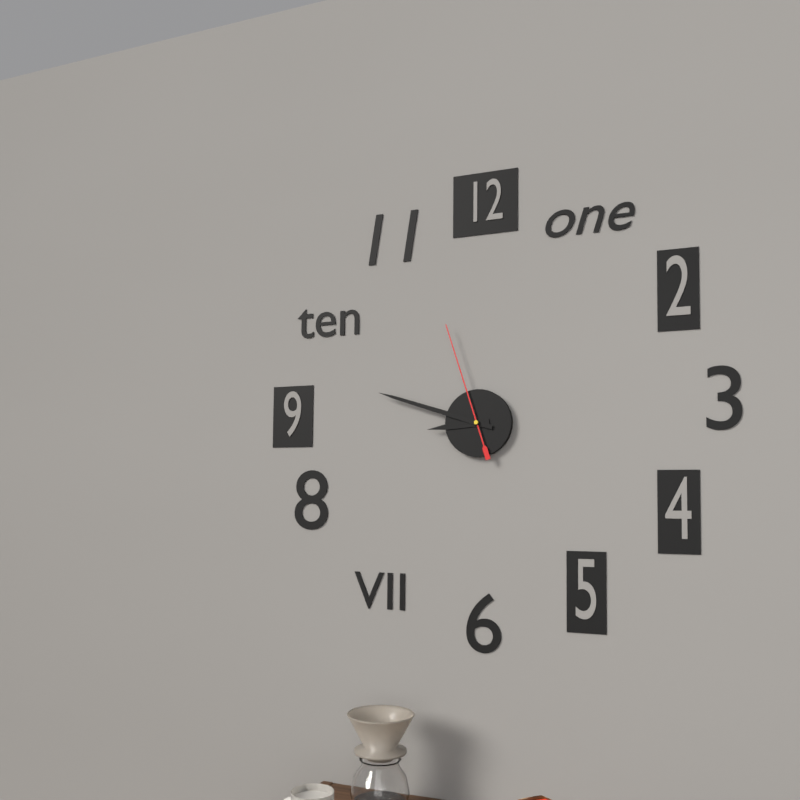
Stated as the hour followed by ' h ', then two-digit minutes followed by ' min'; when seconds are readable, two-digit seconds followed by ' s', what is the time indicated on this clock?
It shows 8 h 48 min 57 s
